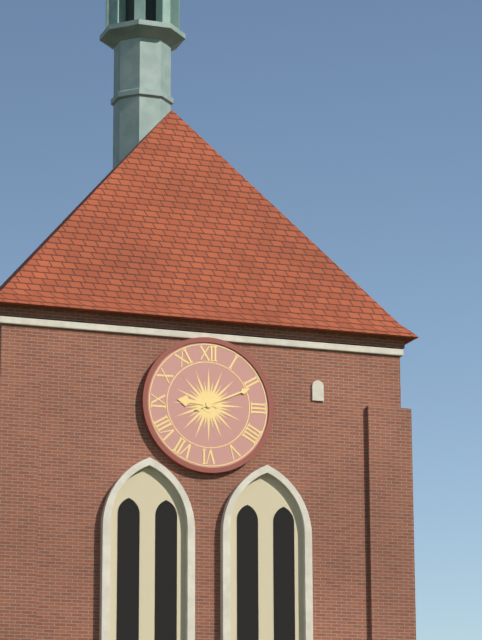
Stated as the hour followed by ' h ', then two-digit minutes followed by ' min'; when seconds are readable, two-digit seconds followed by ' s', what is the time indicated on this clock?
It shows 9 h 11 min
